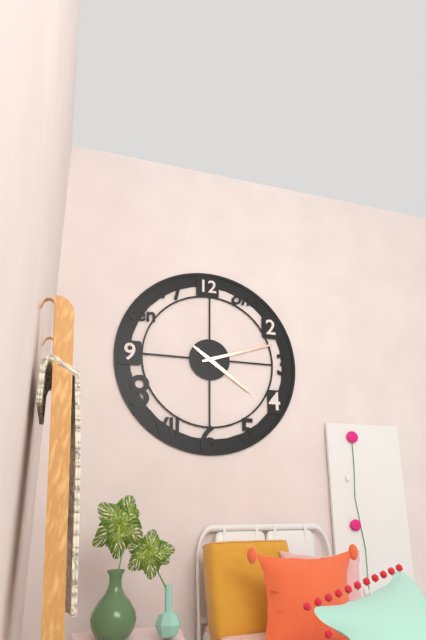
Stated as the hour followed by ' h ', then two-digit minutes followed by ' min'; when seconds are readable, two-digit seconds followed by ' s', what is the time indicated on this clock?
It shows 4 h 12 min
